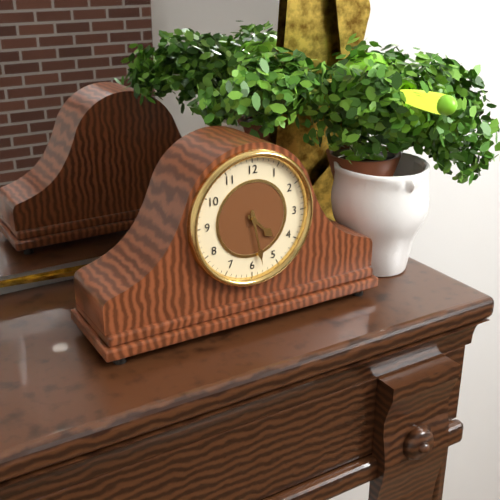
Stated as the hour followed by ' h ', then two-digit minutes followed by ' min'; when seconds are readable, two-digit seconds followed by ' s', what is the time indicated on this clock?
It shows 4 h 28 min
